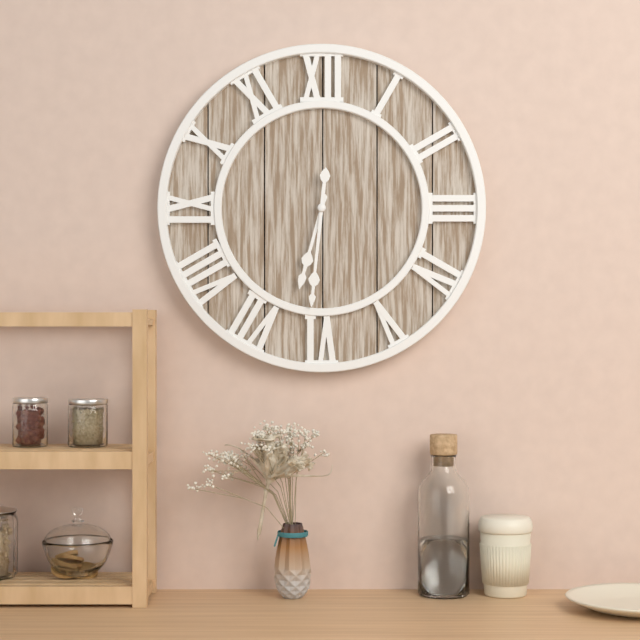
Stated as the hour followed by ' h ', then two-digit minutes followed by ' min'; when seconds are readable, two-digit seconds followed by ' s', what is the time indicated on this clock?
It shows 6 h 31 min
